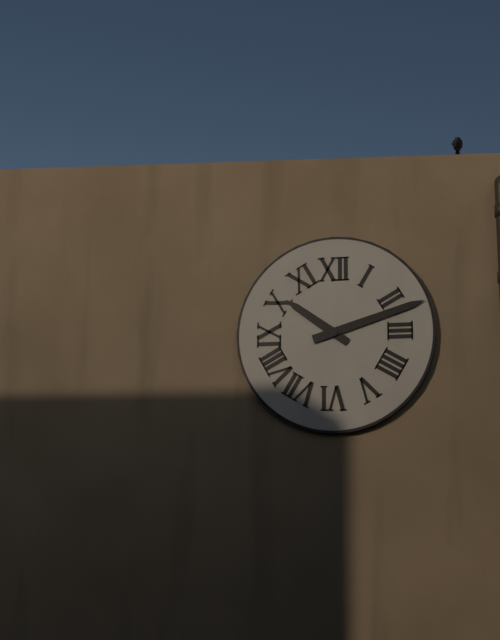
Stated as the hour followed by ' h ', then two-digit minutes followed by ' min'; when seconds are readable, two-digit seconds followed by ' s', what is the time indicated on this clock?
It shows 10 h 12 min
